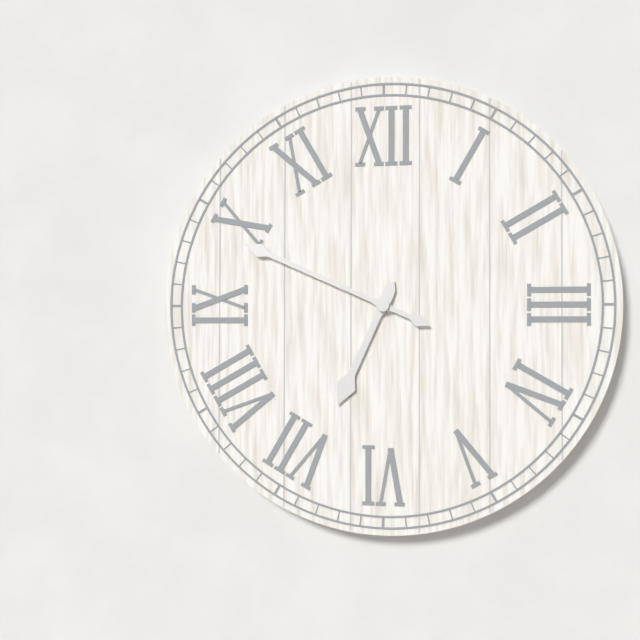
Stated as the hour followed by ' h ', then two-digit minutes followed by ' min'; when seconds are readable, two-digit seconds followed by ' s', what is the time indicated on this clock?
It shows 6 h 49 min
